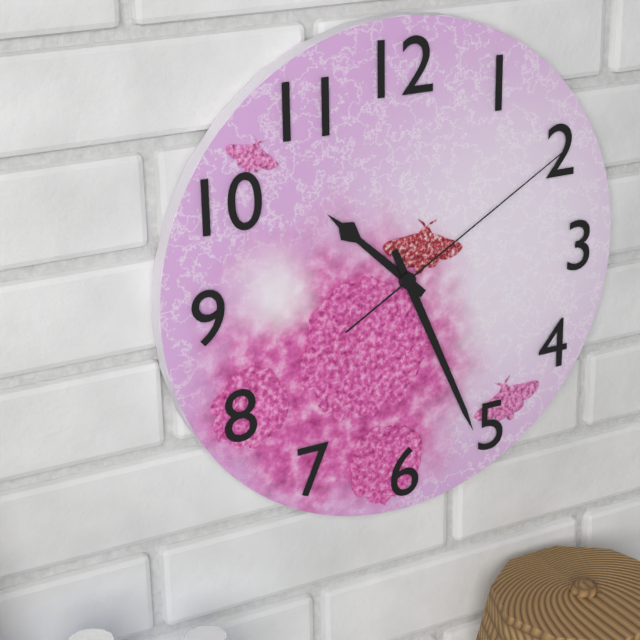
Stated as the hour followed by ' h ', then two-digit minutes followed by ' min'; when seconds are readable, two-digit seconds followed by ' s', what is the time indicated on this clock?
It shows 10 h 26 min 10 s
